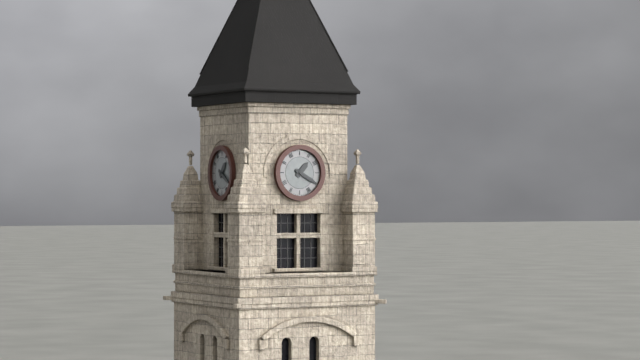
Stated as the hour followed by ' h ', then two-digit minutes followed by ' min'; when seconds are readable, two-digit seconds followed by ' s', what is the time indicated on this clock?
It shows 1 h 20 min
